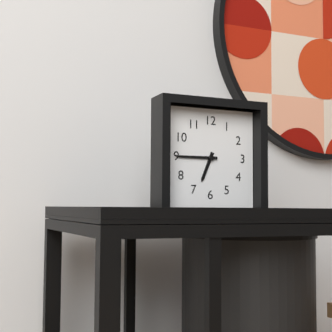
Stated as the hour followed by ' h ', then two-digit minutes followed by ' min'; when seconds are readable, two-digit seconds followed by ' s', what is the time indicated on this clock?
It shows 6 h 45 min
